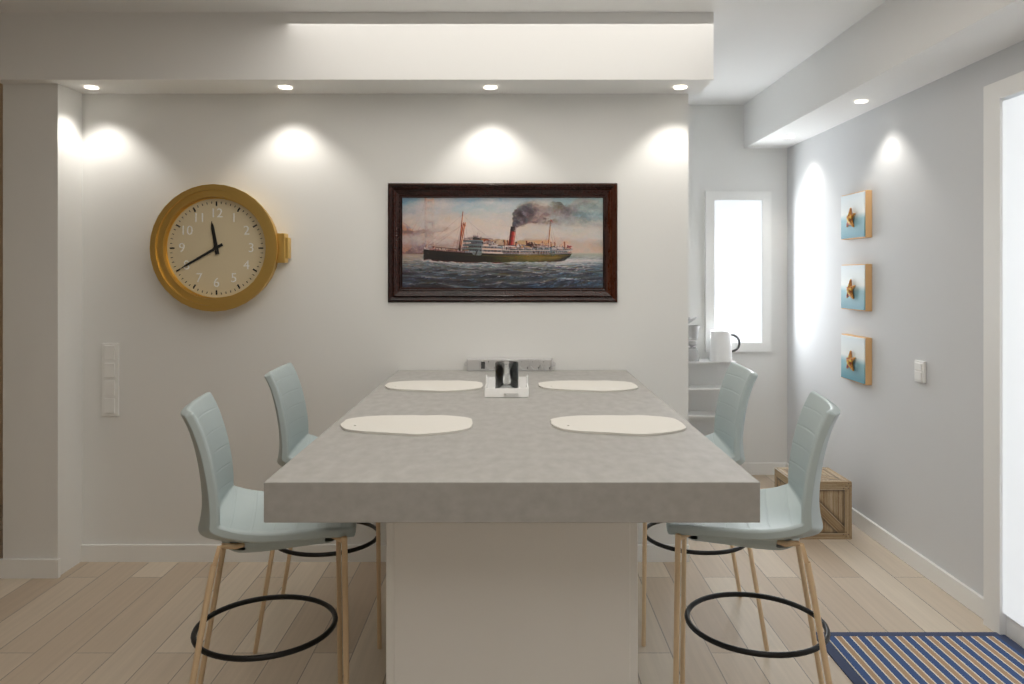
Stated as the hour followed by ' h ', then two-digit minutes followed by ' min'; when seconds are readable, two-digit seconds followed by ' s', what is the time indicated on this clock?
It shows 11 h 40 min
